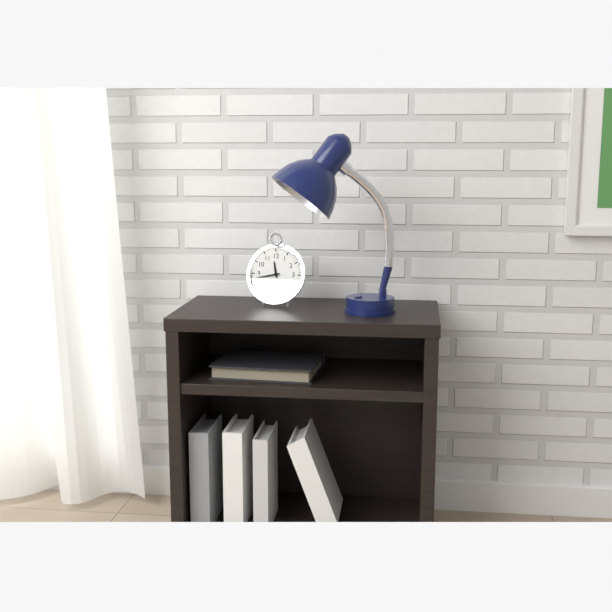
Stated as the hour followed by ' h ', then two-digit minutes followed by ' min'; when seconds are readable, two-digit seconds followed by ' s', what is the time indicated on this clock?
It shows 11 h 43 min
